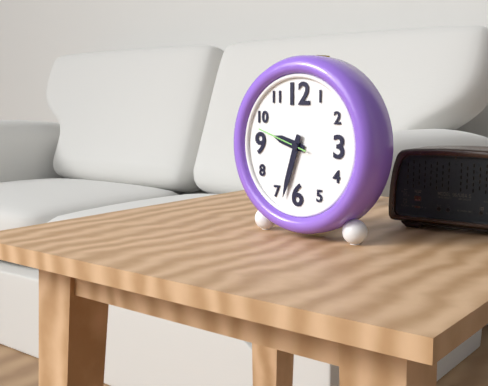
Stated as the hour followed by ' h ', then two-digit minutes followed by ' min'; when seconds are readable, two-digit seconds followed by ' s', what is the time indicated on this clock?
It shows 9 h 33 min 48 s
